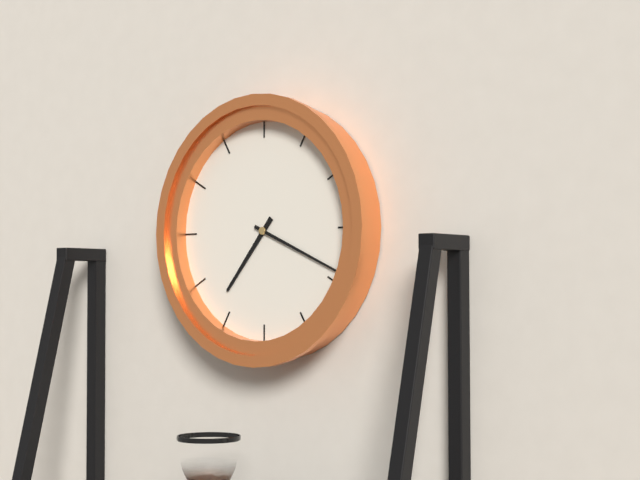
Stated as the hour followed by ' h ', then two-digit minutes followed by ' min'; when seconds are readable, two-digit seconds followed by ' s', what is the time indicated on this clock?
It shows 7 h 19 min
